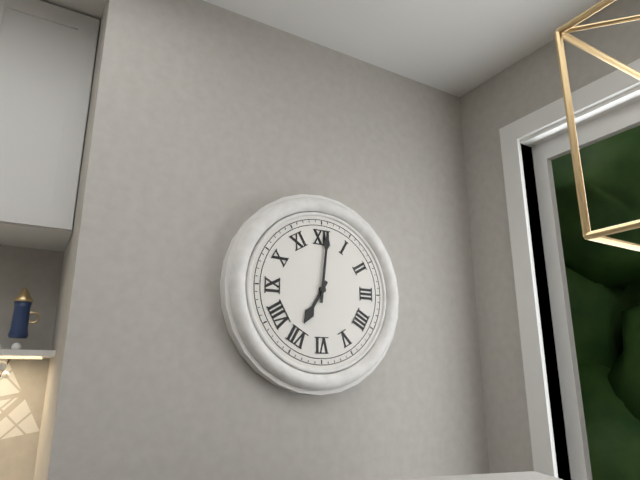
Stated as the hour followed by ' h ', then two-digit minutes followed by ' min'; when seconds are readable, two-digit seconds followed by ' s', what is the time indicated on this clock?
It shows 7 h 01 min
